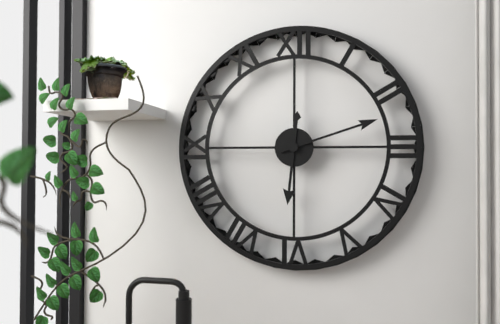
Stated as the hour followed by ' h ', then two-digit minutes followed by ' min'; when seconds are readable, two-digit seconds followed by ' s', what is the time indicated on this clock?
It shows 6 h 12 min
